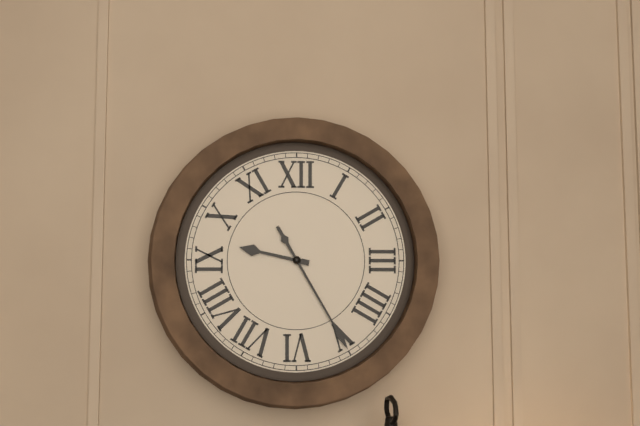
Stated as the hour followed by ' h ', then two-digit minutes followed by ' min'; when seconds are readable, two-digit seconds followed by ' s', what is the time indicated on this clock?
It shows 9 h 25 min
